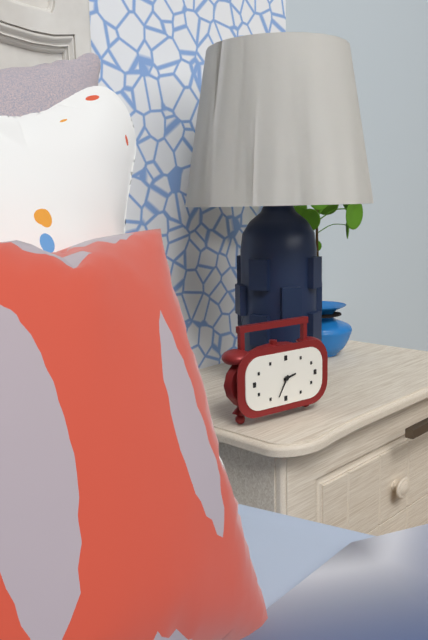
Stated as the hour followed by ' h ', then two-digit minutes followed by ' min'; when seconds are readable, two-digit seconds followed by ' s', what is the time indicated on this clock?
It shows 2 h 35 min
